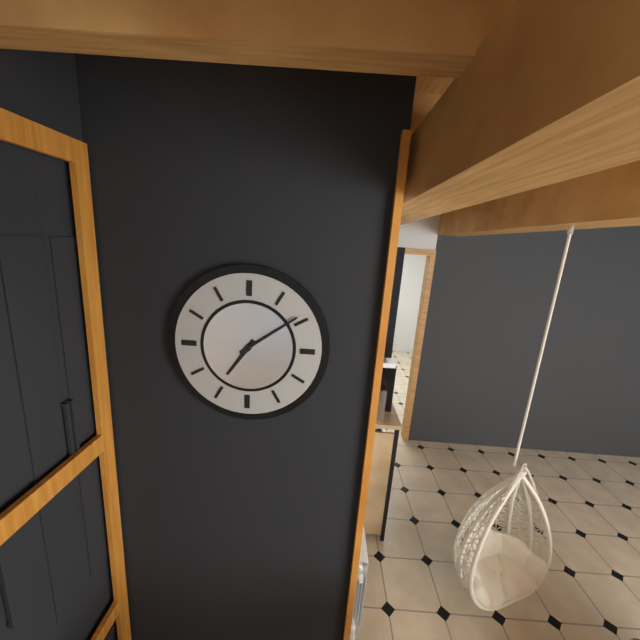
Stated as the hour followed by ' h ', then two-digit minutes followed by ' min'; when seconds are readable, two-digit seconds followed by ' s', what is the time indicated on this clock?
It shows 7 h 09 min
